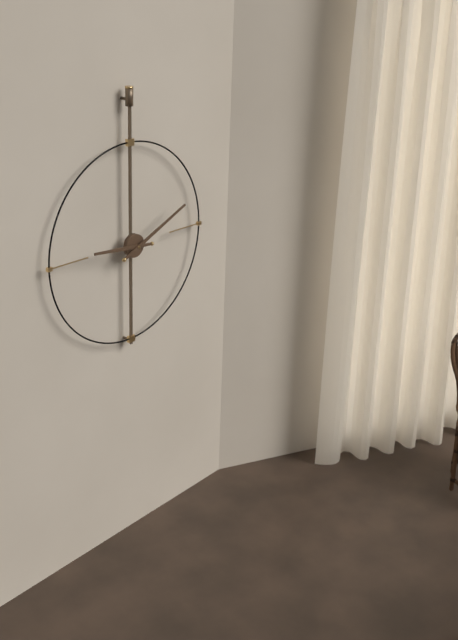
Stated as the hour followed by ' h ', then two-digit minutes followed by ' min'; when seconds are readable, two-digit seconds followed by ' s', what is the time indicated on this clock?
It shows 9 h 11 min
